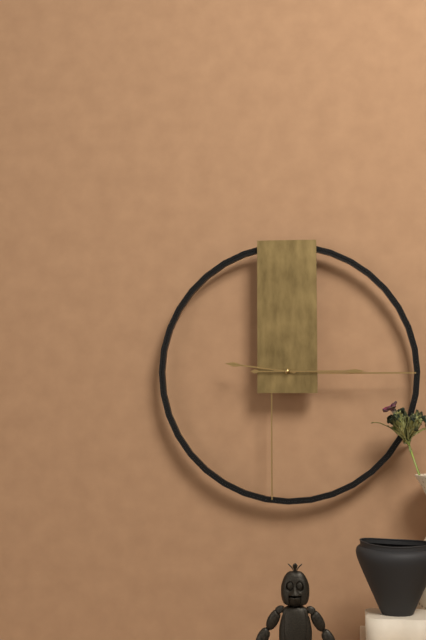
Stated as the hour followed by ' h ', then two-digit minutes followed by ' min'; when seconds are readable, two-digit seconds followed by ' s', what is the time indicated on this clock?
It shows 9 h 15 min
